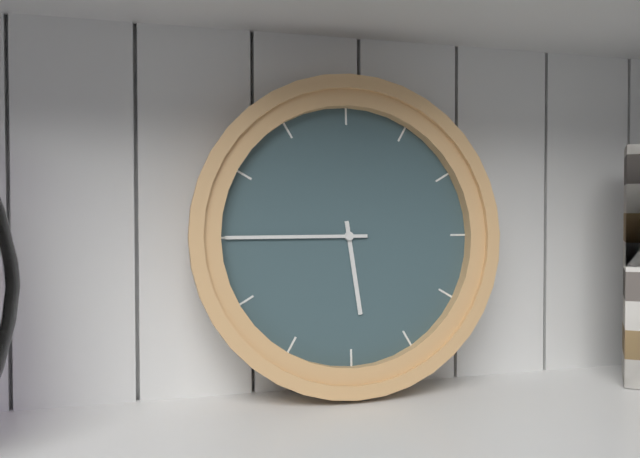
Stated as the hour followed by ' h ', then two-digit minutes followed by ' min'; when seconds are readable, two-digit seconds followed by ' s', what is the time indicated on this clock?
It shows 5 h 45 min
